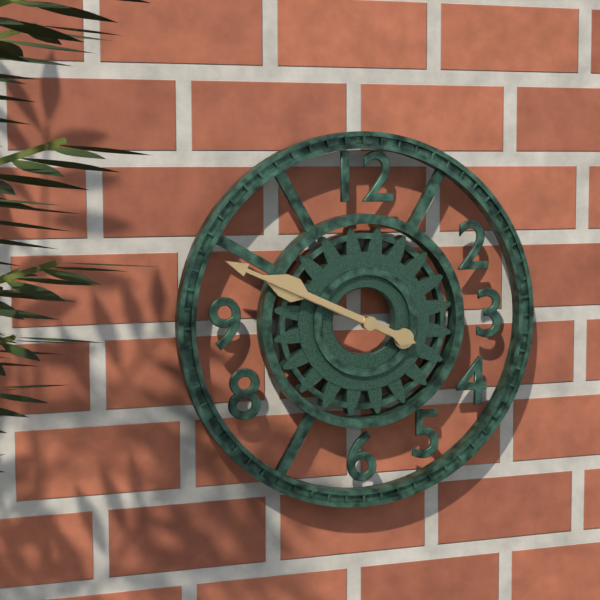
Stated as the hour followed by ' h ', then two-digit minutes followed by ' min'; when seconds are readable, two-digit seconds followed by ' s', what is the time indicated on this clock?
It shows 9 h 49 min
